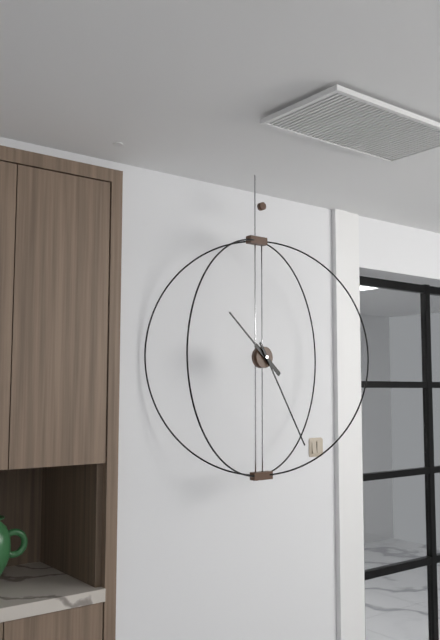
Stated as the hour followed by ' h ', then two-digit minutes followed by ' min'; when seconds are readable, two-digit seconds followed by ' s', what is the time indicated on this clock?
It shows 10 h 25 min
